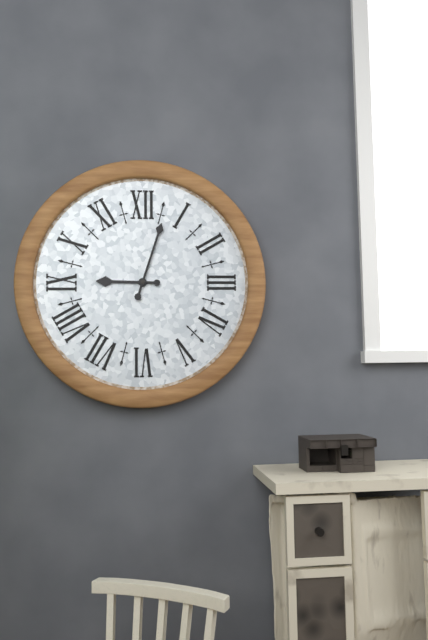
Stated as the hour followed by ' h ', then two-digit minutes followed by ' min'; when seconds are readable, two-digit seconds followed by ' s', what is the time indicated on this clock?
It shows 9 h 03 min
